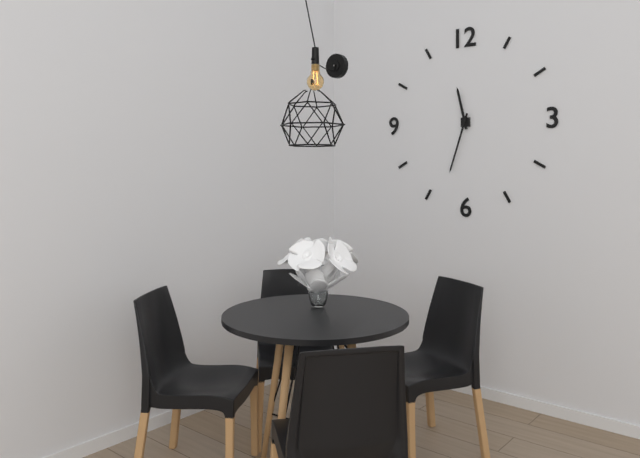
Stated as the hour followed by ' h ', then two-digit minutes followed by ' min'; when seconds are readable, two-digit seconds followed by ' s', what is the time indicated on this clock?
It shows 11 h 33 min
